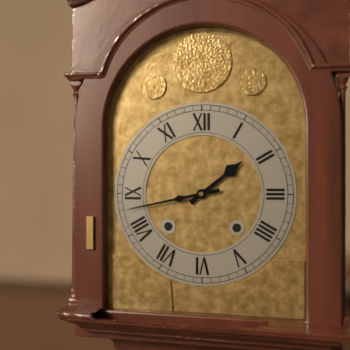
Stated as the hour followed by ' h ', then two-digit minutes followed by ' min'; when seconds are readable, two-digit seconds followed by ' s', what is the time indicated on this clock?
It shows 1 h 43 min
